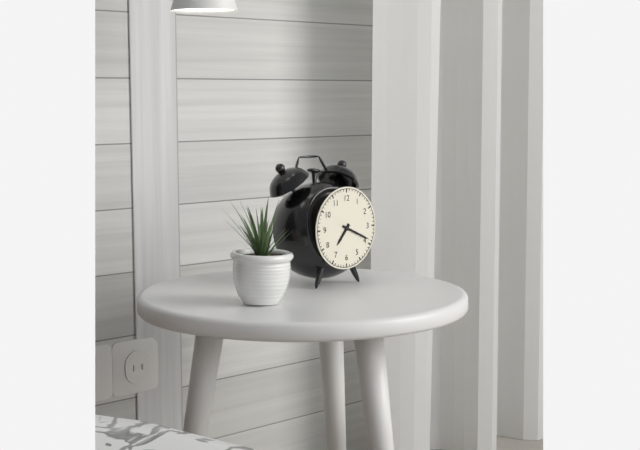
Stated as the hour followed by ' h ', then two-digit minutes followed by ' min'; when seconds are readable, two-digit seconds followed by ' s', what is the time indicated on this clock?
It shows 7 h 19 min
